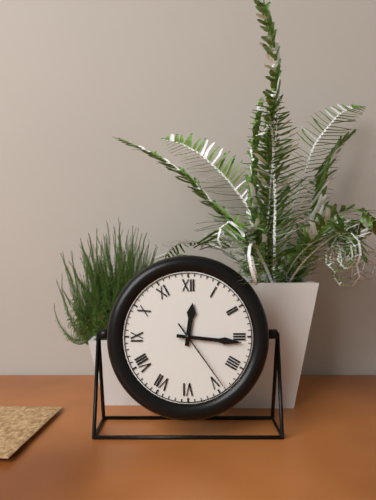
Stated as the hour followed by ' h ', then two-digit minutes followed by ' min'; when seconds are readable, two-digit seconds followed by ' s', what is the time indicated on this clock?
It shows 12 h 16 min 24 s
